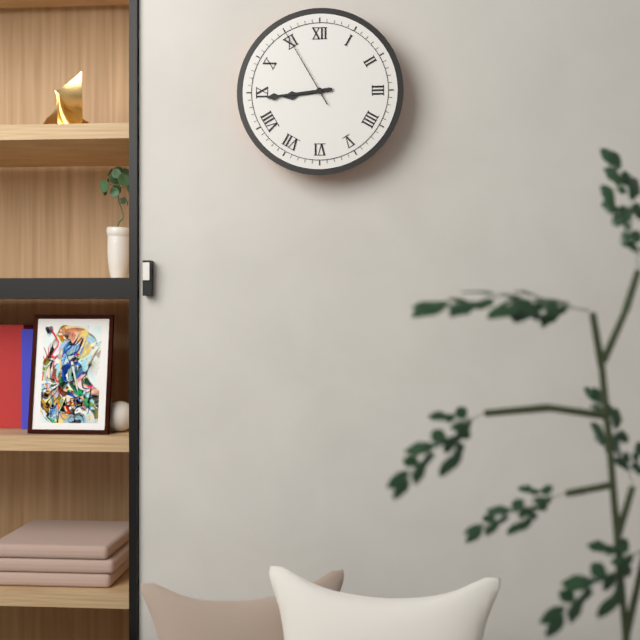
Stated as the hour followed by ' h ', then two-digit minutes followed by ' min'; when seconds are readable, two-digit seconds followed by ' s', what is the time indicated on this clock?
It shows 8 h 44 min 55 s
